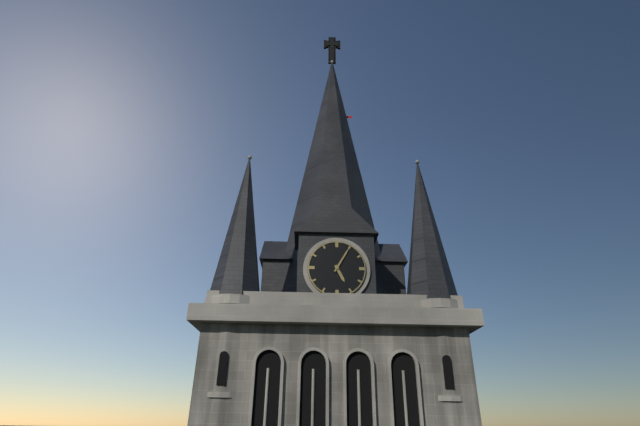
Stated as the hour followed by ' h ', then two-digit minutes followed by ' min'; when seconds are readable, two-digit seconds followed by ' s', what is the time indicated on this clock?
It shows 5 h 05 min
